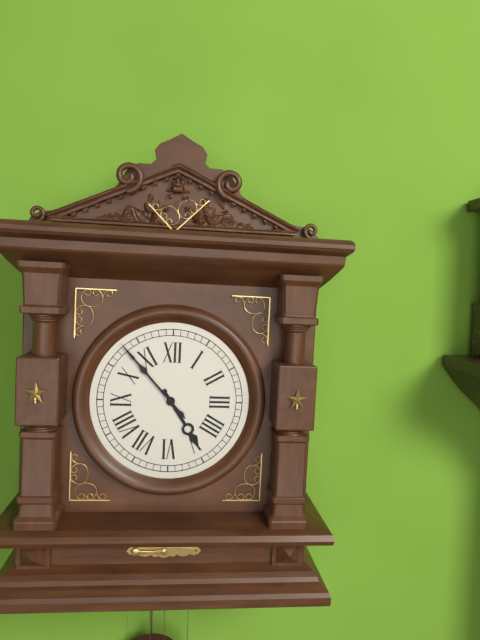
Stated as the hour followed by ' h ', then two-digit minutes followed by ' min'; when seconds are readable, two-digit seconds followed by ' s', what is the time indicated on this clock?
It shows 4 h 53 min
